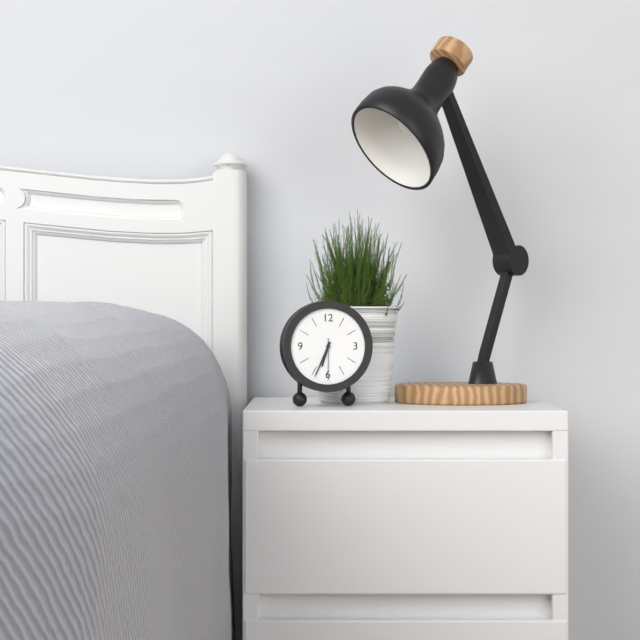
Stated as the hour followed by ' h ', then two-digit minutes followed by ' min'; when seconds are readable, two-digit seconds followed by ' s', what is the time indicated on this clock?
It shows 6 h 34 min
